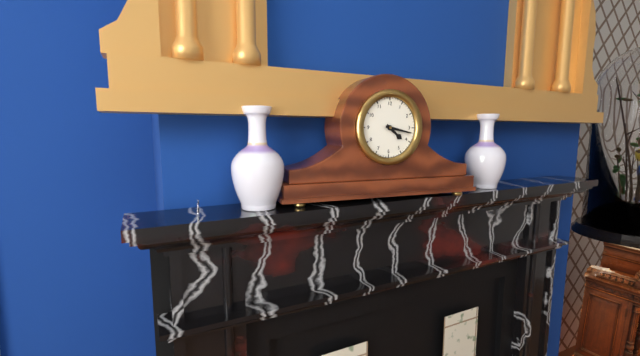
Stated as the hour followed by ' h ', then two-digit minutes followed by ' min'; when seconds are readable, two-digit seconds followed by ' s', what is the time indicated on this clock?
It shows 4 h 17 min
